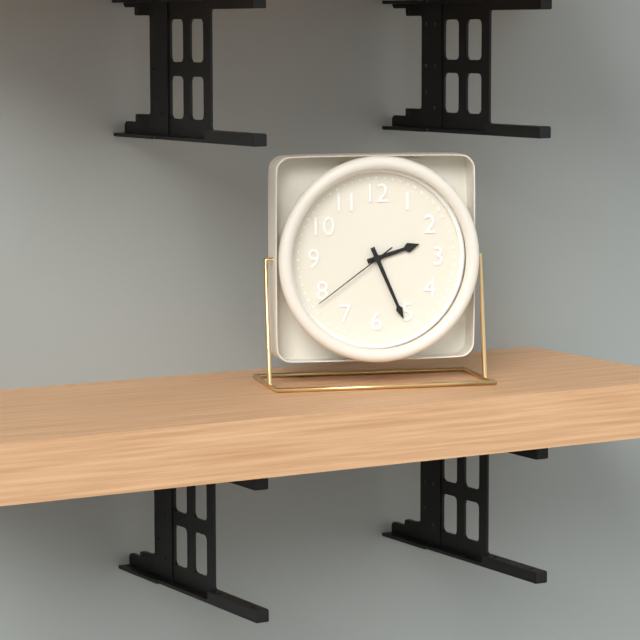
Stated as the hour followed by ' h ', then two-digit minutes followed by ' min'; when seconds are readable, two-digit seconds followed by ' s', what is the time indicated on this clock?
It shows 2 h 26 min 39 s
